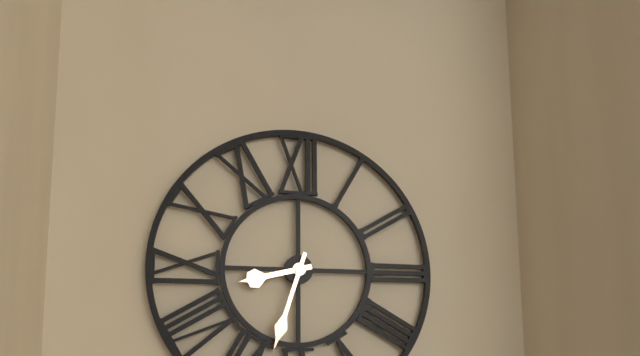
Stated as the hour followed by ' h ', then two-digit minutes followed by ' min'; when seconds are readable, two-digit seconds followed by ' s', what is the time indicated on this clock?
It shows 8 h 33 min
